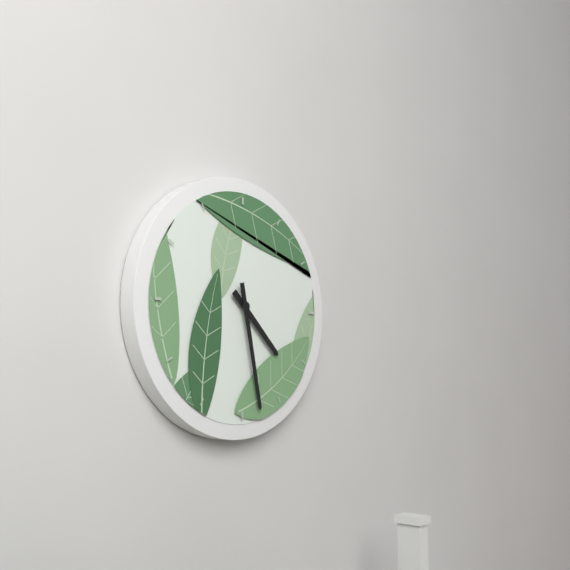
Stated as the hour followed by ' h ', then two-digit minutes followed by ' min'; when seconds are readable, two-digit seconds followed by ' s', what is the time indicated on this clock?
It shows 4 h 28 min
